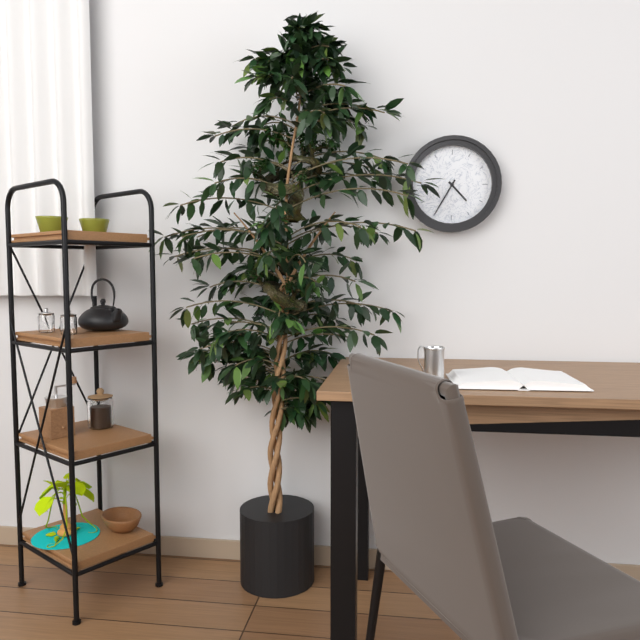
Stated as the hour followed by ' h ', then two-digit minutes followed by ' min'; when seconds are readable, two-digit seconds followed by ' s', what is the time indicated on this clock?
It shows 4 h 35 min
